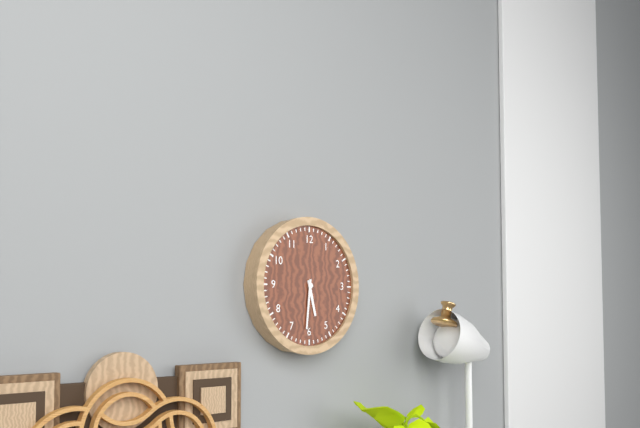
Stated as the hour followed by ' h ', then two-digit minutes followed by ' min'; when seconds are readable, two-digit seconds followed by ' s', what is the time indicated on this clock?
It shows 5 h 31 min
